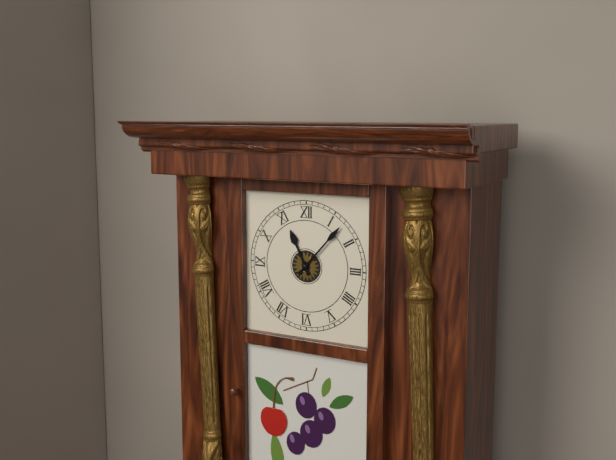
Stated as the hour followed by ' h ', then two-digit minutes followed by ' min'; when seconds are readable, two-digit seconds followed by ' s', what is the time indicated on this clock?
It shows 11 h 07 min
